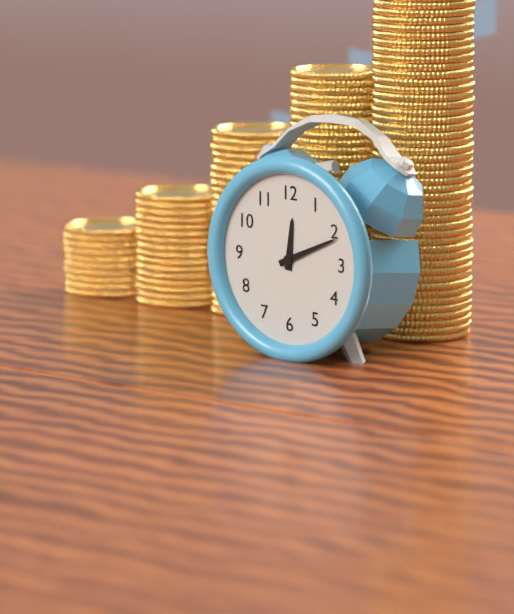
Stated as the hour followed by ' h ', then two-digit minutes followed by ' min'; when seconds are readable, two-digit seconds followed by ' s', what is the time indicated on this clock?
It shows 12 h 11 min
